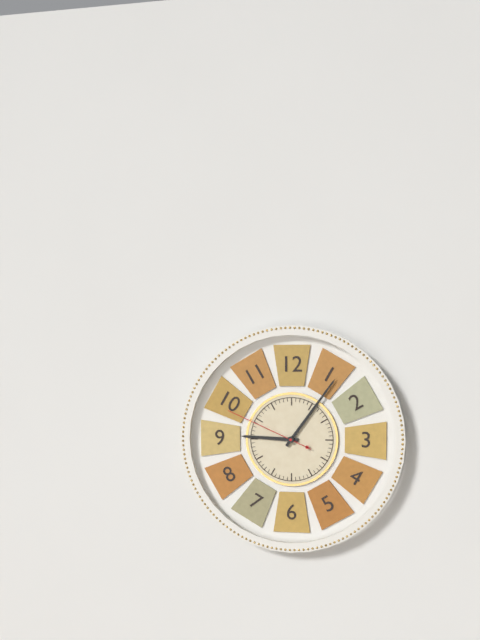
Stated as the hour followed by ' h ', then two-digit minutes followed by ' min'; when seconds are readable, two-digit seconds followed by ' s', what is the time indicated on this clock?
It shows 9 h 06 min 49 s
